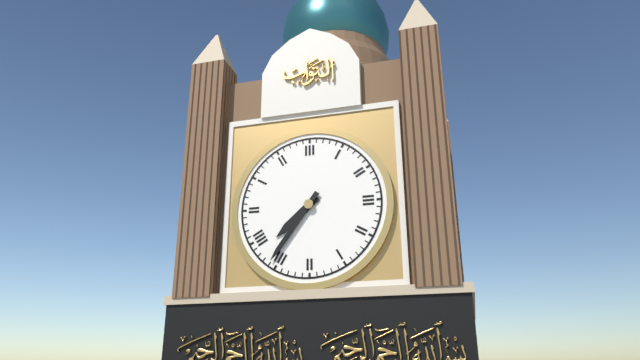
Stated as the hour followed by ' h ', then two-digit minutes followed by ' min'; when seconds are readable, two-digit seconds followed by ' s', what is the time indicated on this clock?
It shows 7 h 36 min
